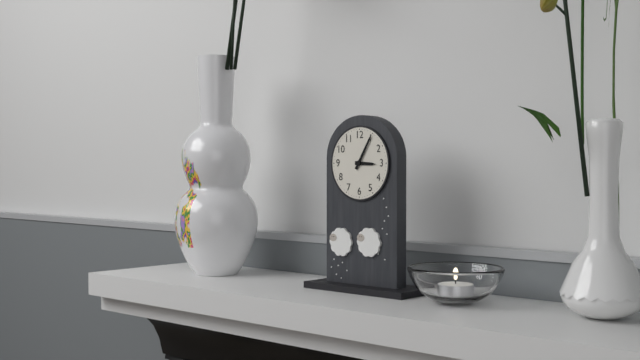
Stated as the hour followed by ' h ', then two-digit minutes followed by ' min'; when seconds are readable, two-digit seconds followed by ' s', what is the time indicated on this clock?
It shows 3 h 05 min
